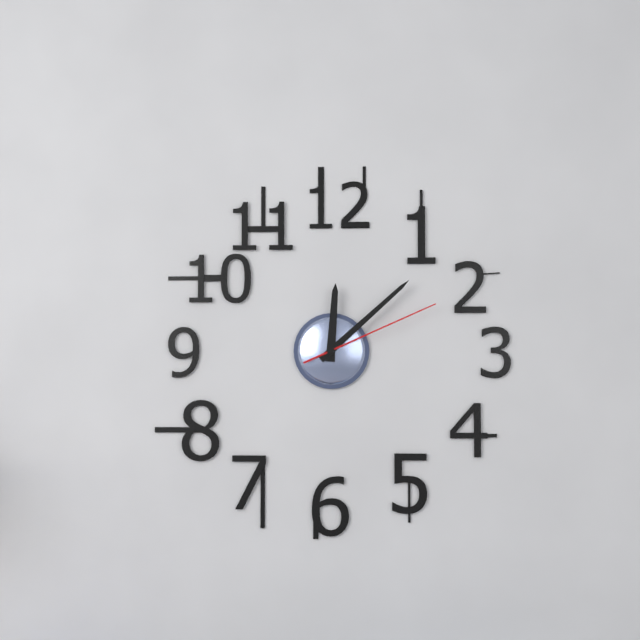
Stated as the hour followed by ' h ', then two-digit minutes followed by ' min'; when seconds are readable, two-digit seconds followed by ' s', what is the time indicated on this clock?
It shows 12 h 08 min 11 s
